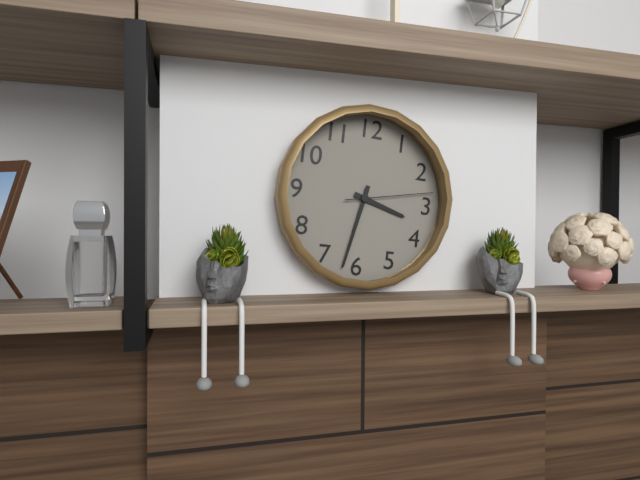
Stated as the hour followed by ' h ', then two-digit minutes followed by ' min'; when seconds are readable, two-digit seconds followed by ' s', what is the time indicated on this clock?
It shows 3 h 32 min 13 s
